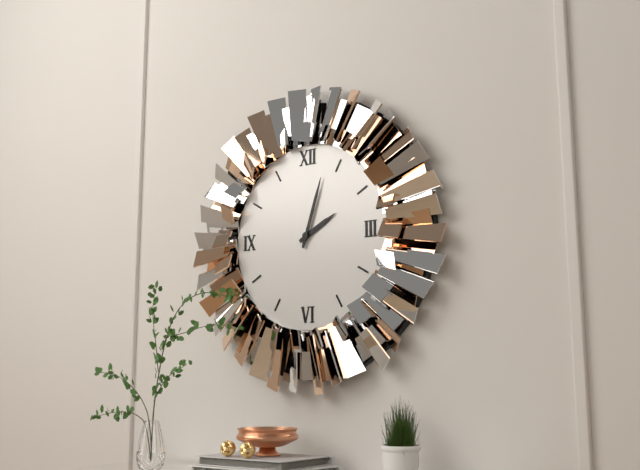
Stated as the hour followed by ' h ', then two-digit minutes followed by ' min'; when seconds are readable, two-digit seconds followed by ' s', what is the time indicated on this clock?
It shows 2 h 03 min
